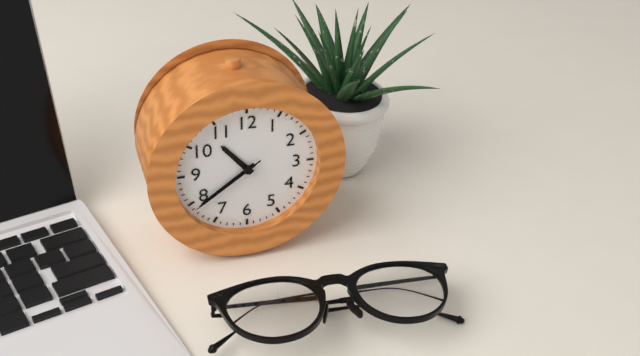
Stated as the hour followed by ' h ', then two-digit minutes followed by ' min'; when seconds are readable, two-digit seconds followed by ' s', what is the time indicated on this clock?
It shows 10 h 39 min 39 s
